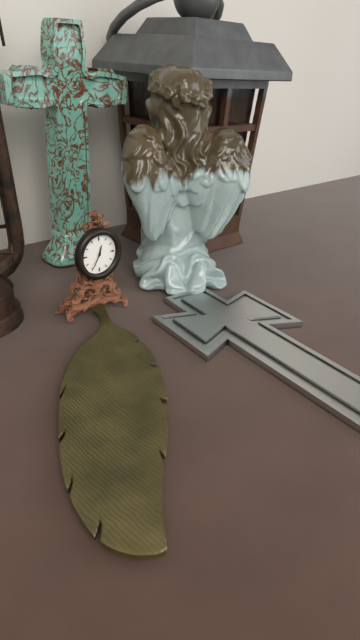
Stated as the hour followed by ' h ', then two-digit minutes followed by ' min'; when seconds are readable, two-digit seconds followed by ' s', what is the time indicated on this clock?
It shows 12 h 35 min
